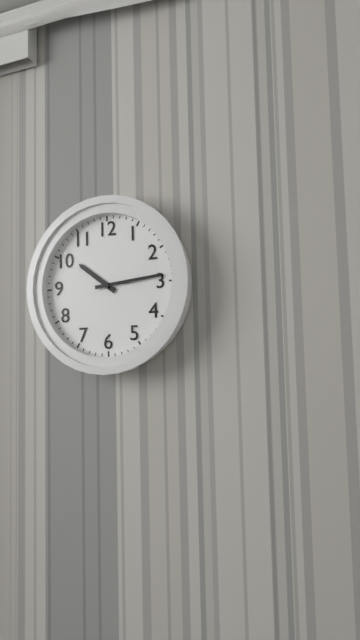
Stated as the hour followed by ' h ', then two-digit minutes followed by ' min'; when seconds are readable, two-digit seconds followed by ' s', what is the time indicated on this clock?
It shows 10 h 14 min
